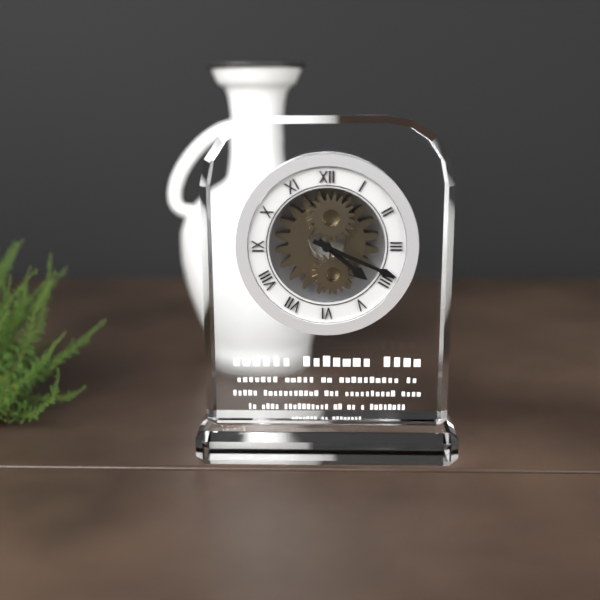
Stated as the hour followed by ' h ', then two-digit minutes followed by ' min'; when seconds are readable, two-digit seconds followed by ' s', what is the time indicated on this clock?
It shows 4 h 19 min
